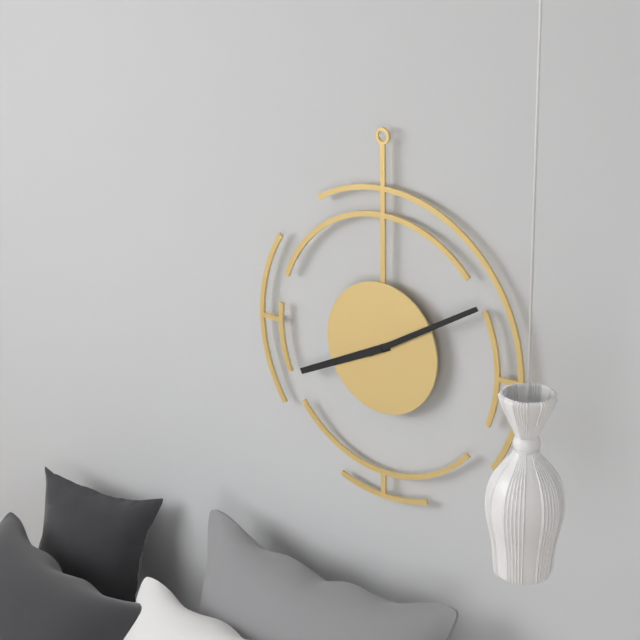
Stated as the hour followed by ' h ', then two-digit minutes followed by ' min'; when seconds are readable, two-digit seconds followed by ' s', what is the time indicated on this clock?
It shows 8 h 10 min
